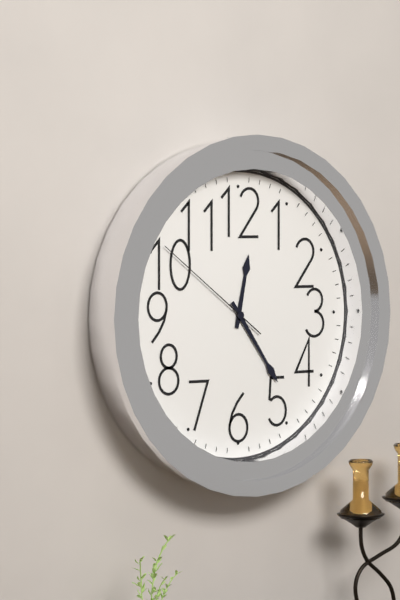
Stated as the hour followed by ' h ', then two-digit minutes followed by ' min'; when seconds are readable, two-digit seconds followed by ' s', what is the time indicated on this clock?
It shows 12 h 24 min 51 s
